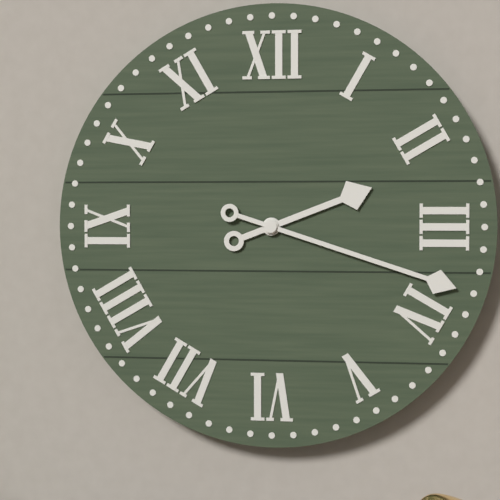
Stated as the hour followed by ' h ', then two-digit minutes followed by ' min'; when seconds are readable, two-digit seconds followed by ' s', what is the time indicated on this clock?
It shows 2 h 18 min
